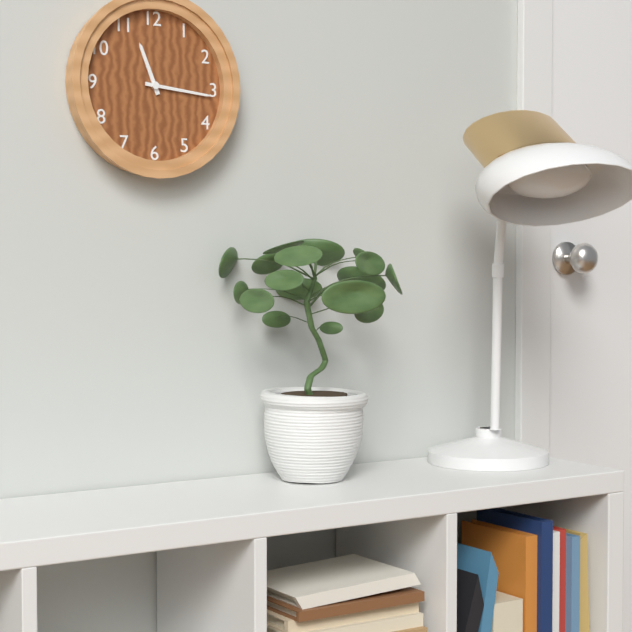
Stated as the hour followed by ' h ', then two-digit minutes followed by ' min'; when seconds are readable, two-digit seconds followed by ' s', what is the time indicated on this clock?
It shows 11 h 16 min
